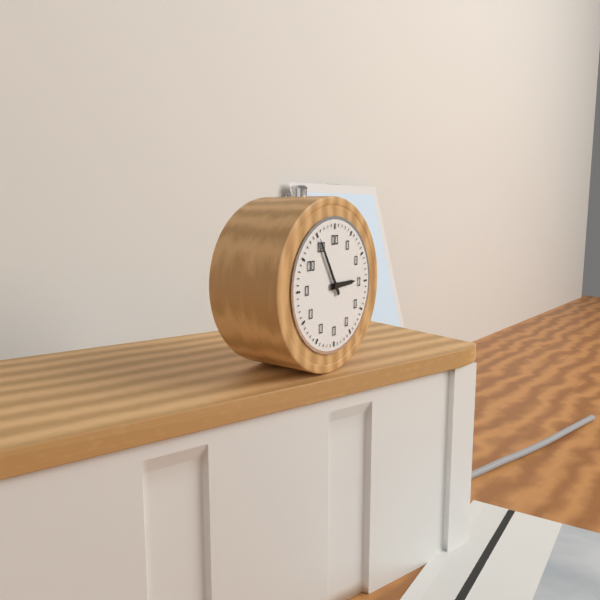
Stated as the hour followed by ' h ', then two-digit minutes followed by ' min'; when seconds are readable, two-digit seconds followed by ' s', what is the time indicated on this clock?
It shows 2 h 55 min
